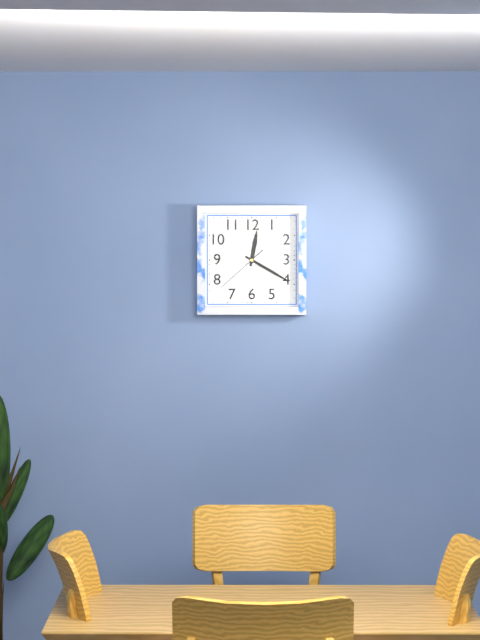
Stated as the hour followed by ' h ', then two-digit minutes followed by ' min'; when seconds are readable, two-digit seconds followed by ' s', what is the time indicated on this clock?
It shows 12 h 20 min 38 s
